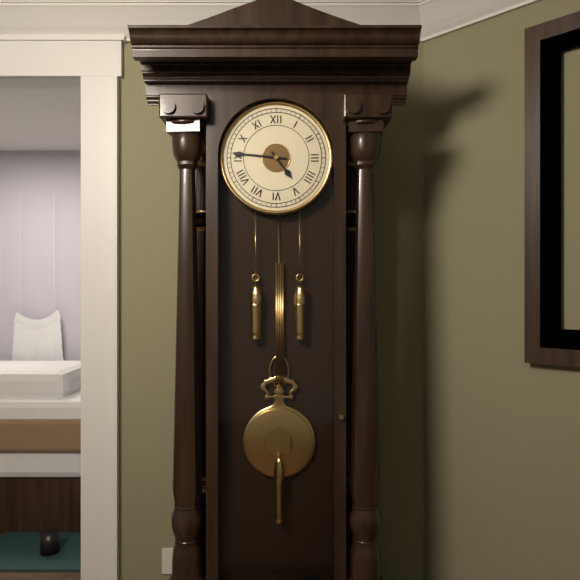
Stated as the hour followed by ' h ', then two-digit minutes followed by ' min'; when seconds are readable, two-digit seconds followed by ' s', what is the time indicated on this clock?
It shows 4 h 46 min
